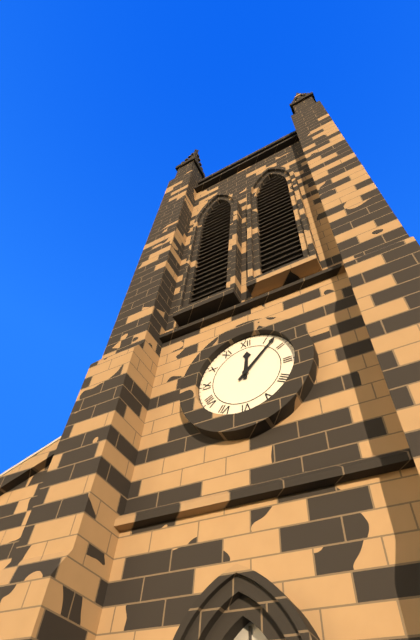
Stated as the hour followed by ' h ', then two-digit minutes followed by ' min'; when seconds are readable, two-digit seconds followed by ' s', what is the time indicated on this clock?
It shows 12 h 07 min
